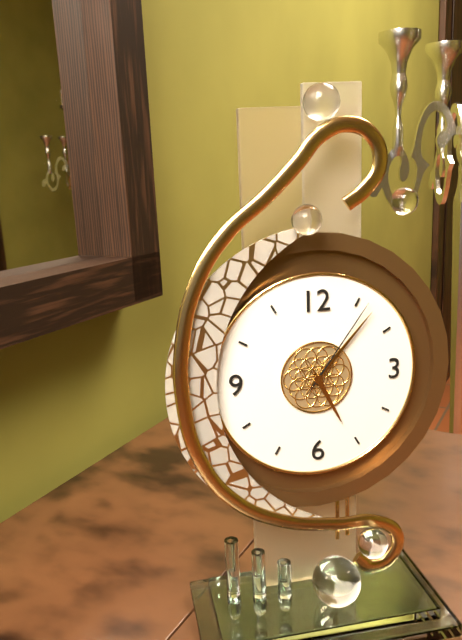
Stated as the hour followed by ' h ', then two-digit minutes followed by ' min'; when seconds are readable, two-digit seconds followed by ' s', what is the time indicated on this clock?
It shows 5 h 07 min 06 s
